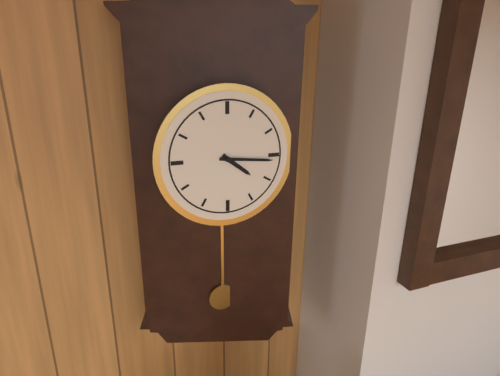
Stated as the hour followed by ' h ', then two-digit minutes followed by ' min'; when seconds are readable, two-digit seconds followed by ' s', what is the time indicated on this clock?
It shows 4 h 16 min
